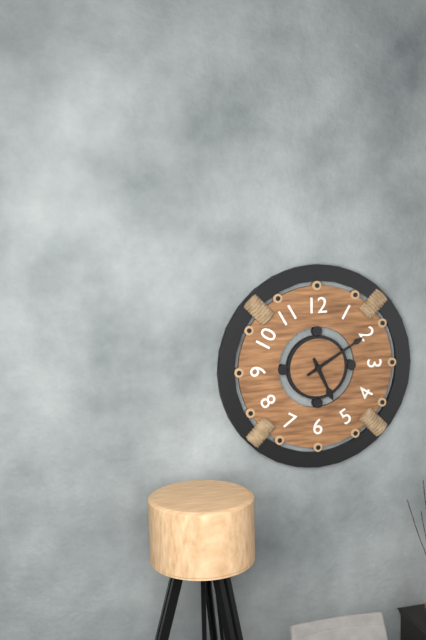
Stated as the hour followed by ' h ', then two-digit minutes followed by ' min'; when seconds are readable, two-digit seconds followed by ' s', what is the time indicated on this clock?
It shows 5 h 10 min
